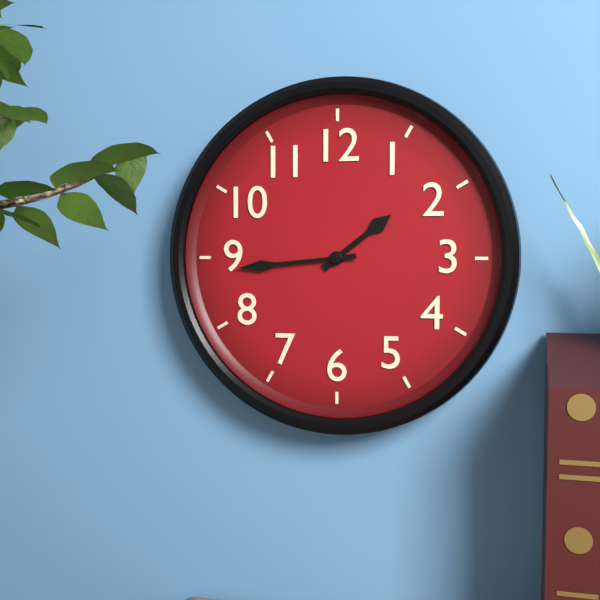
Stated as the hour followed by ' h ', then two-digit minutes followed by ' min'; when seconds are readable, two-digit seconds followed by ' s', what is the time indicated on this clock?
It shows 1 h 44 min
